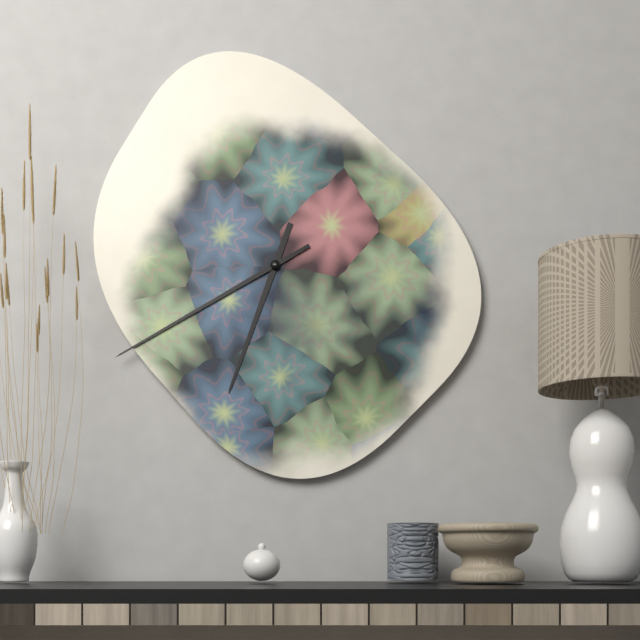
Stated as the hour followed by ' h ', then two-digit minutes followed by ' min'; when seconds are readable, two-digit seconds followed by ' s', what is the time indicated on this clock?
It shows 6 h 40 min
